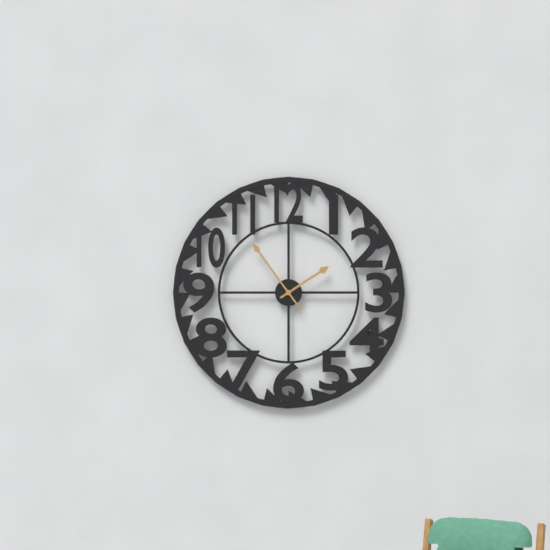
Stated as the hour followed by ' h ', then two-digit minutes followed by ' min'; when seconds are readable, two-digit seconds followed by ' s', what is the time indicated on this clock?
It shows 1 h 54 min
